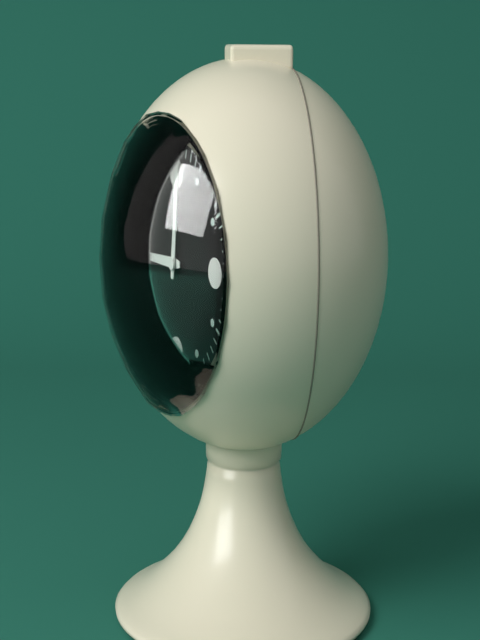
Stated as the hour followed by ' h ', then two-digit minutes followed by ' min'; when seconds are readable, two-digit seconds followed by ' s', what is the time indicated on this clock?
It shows 9 h 01 min
